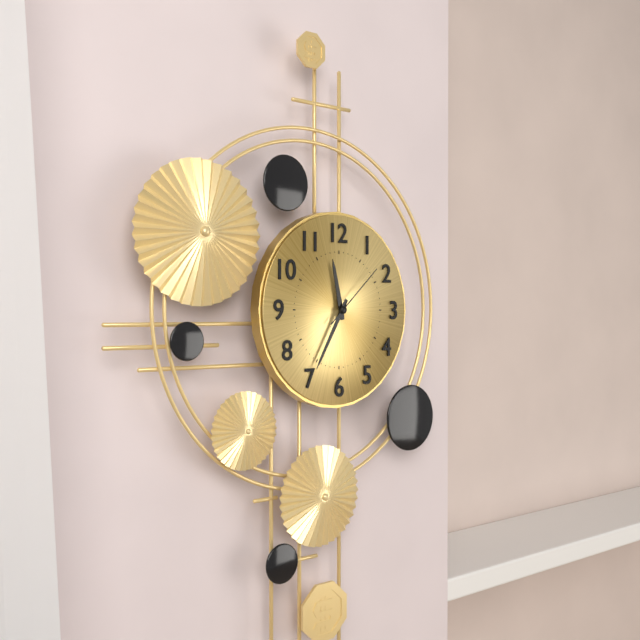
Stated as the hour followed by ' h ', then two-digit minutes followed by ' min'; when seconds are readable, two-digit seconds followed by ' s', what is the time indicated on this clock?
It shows 11 h 35 min 08 s
